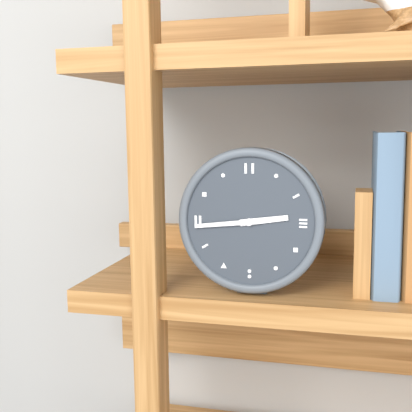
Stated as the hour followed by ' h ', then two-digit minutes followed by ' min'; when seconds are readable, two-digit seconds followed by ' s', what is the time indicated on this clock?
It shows 2 h 44 min
